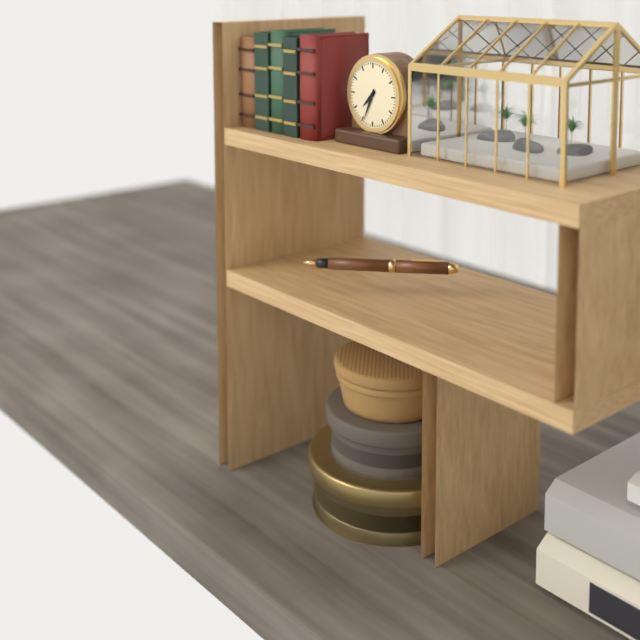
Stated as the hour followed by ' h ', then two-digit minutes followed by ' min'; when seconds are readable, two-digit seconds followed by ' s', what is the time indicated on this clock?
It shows 7 h 34 min
